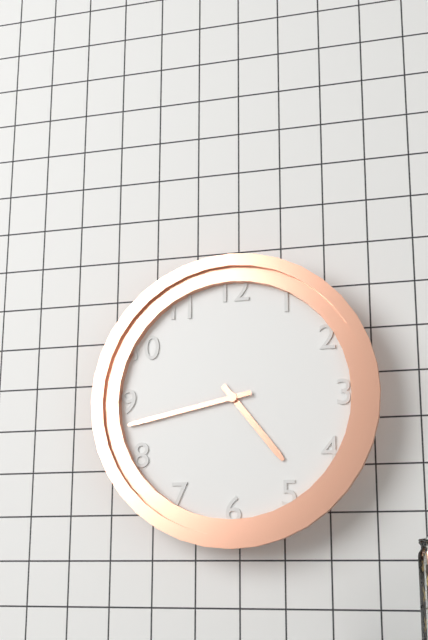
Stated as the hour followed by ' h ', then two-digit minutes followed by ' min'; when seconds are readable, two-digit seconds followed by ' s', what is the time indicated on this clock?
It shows 4 h 43 min
